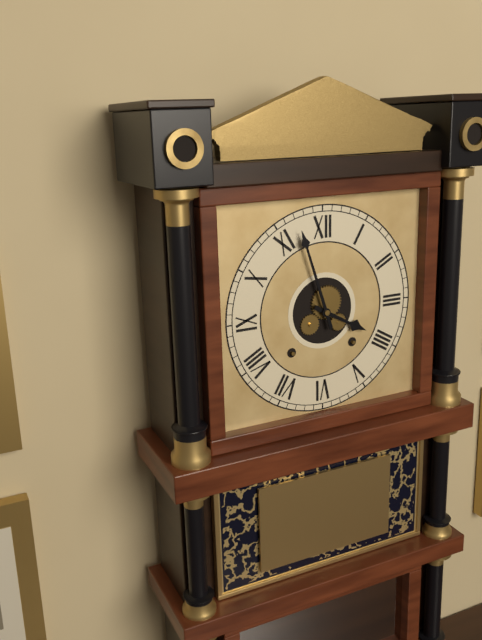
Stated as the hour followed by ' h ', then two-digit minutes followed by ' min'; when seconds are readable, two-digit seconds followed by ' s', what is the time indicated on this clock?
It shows 3 h 57 min
